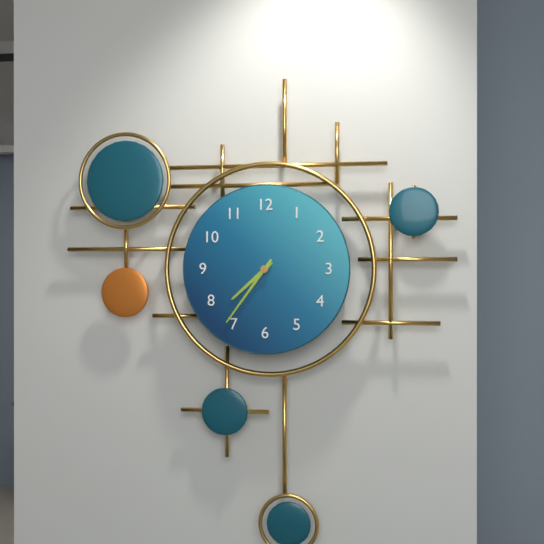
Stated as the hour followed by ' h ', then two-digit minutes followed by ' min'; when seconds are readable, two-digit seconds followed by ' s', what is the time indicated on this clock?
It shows 7 h 36 min
